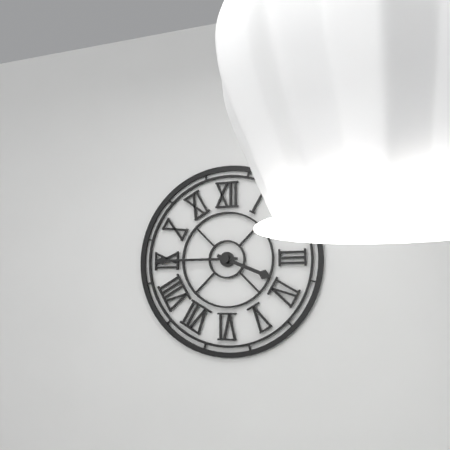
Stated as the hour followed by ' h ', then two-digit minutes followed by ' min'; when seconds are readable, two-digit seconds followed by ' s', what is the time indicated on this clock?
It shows 3 h 45 min
